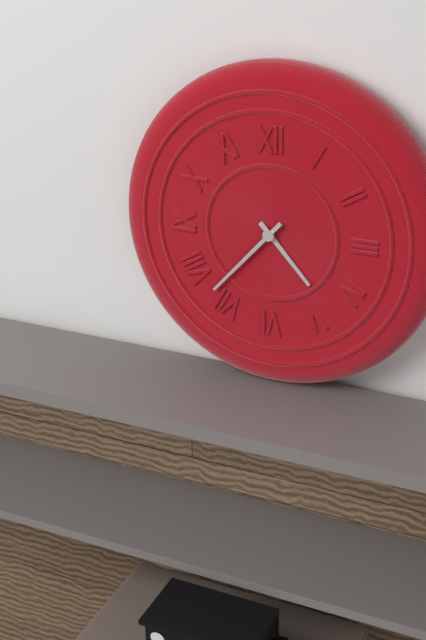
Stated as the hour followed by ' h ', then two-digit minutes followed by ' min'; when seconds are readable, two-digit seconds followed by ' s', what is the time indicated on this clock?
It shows 4 h 37 min
